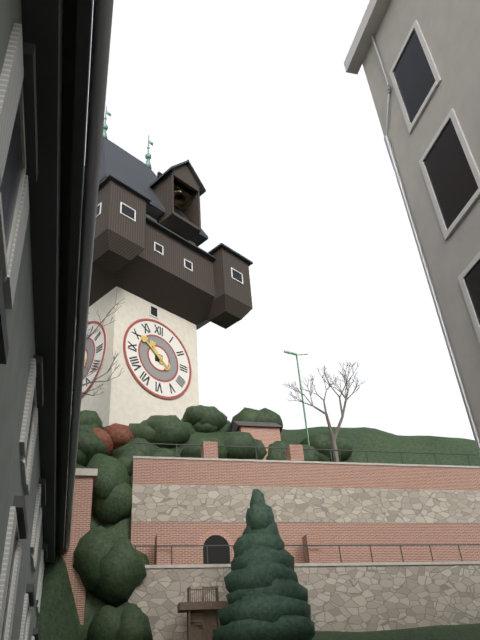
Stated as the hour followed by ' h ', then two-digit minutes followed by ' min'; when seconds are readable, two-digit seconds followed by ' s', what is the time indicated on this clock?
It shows 10 h 51 min
